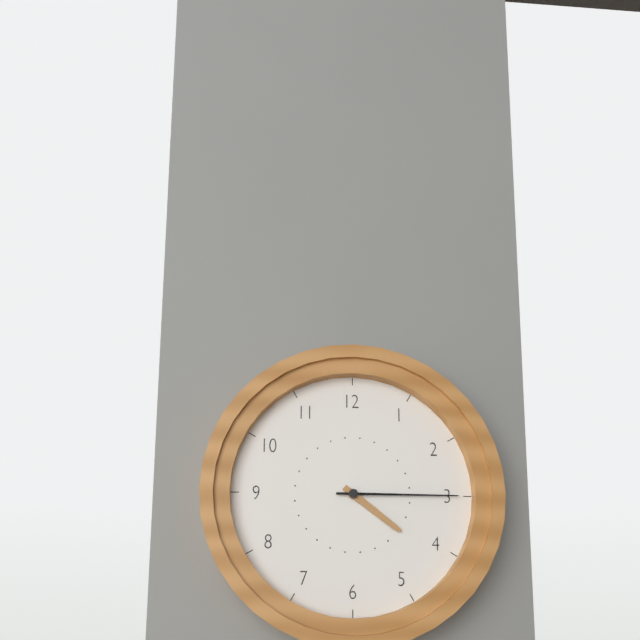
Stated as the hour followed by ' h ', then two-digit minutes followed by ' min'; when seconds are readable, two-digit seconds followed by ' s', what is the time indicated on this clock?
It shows 4 h 15 min
